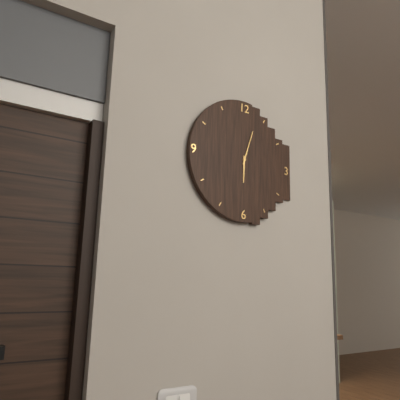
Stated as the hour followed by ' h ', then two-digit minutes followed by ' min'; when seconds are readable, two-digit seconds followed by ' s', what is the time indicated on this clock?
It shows 6 h 03 min
